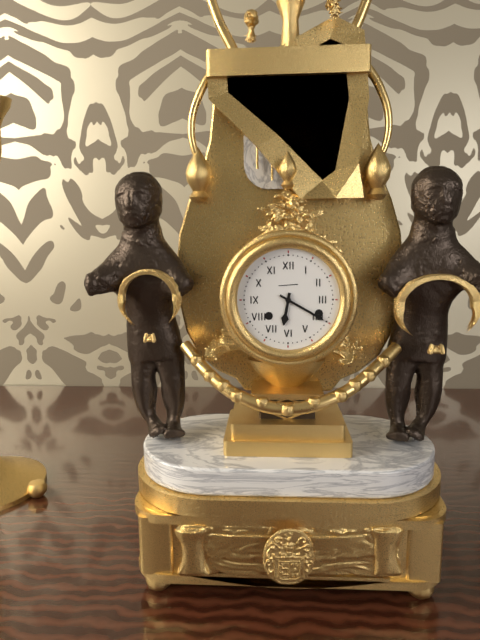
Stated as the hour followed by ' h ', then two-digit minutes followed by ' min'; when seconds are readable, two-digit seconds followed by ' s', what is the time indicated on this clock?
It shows 6 h 20 min
